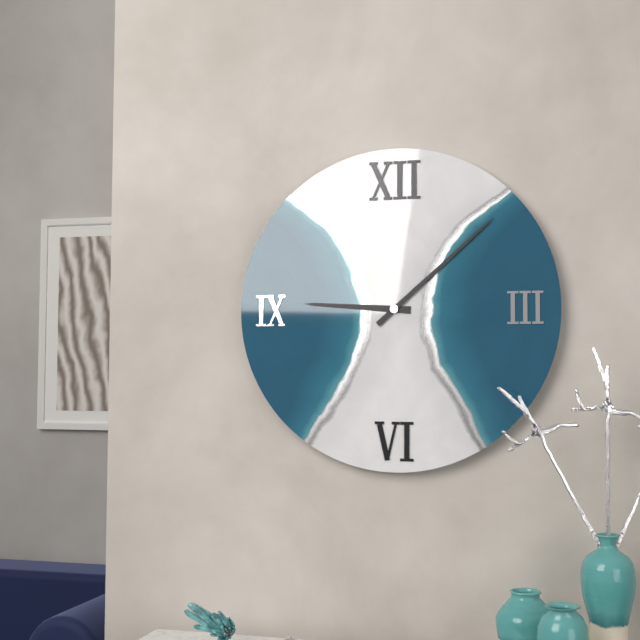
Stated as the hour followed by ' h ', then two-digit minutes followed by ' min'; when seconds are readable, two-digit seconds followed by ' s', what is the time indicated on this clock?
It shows 9 h 08 min
